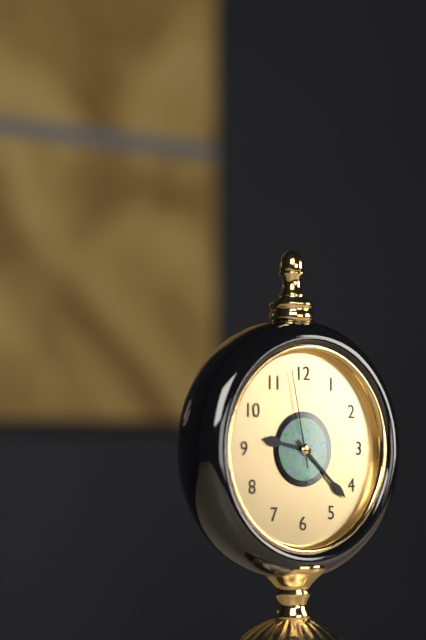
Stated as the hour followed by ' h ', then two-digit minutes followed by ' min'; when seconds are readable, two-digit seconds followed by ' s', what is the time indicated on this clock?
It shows 9 h 22 min 58 s
